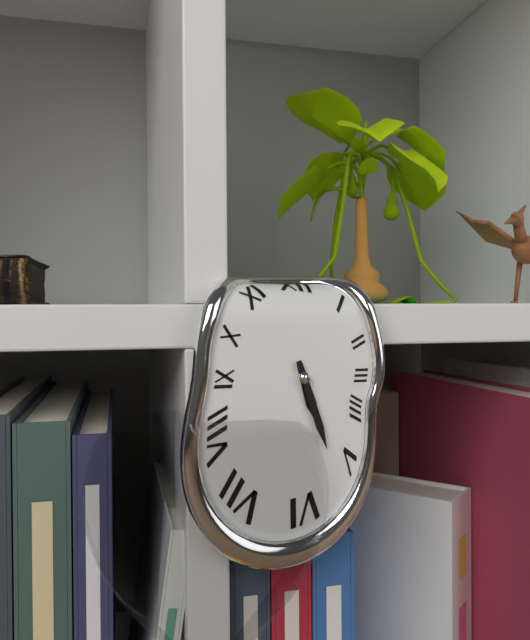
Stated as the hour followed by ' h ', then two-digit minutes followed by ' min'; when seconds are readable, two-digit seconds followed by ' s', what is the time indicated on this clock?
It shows 5 h 27 min
